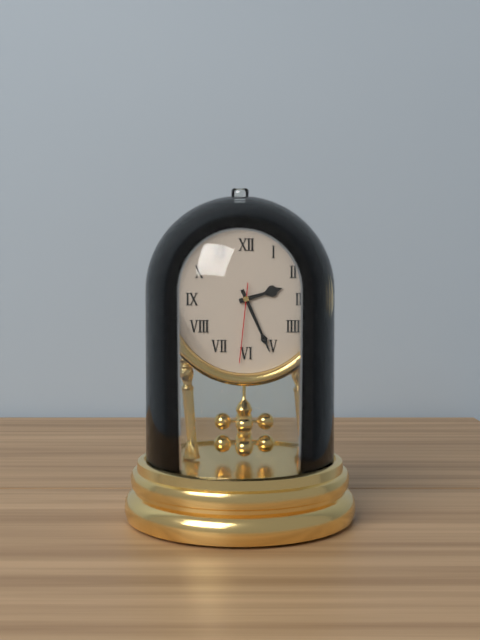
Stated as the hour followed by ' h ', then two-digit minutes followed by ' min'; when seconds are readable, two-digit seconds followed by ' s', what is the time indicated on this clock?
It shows 2 h 26 min 31 s
